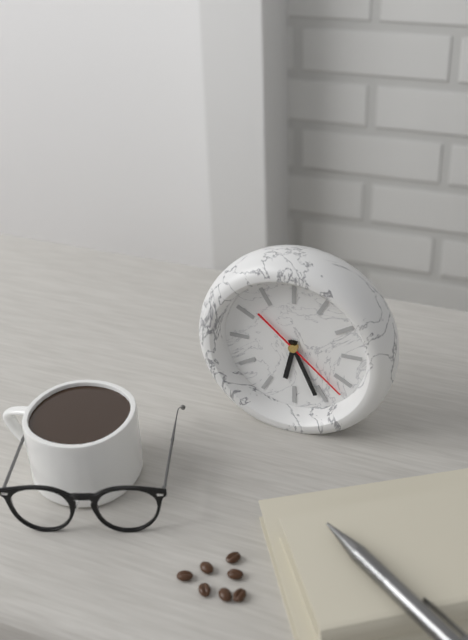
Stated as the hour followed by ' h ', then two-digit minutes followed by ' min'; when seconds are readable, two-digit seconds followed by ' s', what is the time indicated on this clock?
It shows 6 h 26 min 22 s
